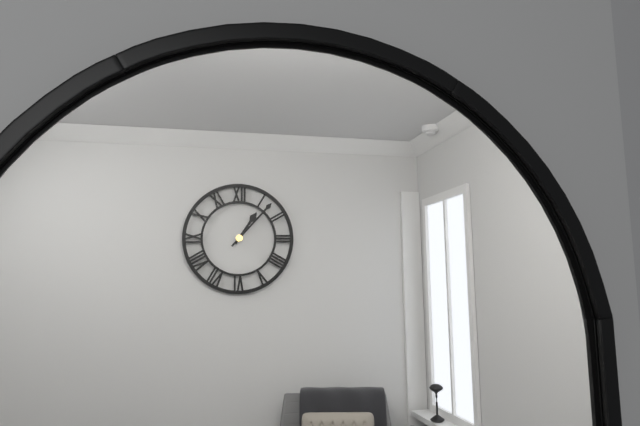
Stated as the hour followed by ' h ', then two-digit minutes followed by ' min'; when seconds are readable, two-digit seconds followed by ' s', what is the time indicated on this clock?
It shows 1 h 07 min
